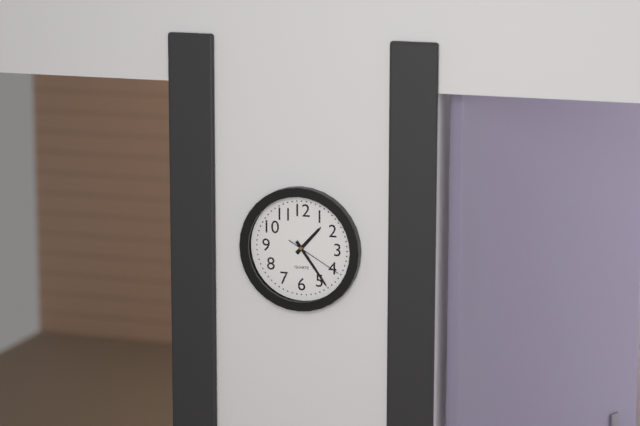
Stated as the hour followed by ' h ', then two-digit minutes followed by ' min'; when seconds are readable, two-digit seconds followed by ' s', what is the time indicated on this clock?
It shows 1 h 24 min 20 s
